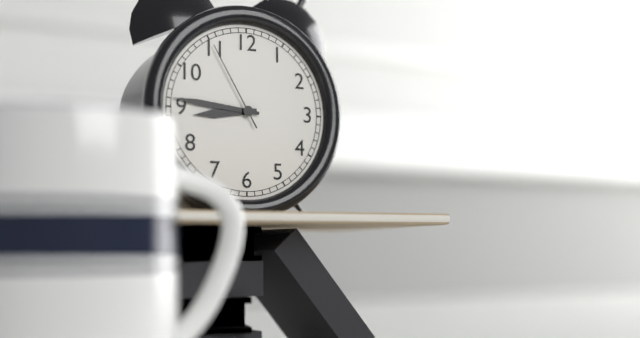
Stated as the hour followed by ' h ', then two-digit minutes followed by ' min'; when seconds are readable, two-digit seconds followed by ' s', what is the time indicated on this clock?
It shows 8 h 46 min 55 s
